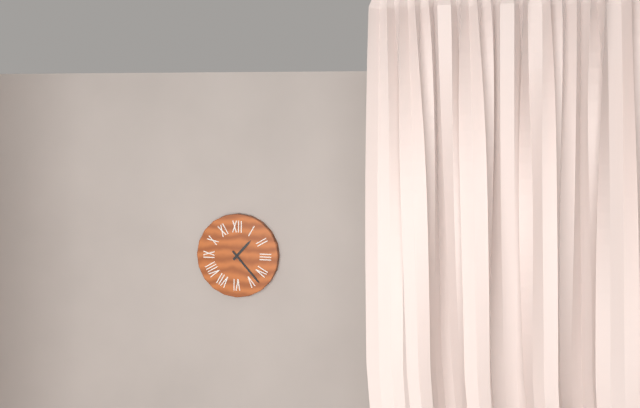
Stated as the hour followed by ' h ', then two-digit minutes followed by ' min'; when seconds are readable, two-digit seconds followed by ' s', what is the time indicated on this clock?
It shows 1 h 23 min
